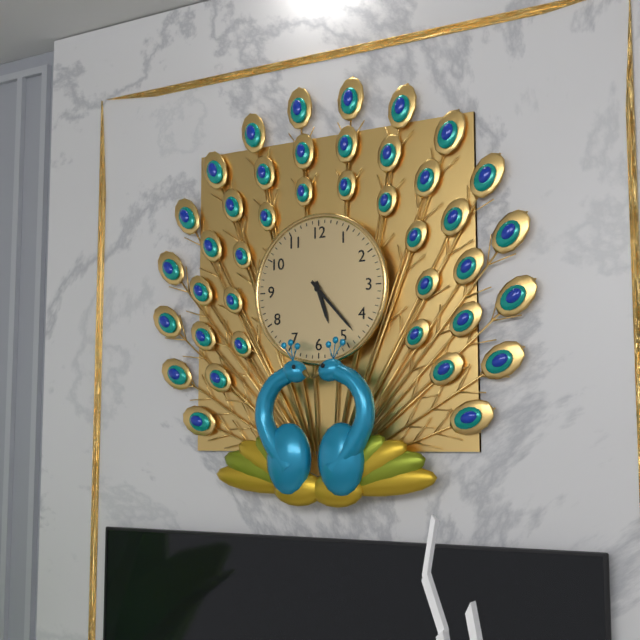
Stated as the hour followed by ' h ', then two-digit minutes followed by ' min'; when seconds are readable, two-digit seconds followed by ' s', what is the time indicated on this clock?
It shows 5 h 23 min
